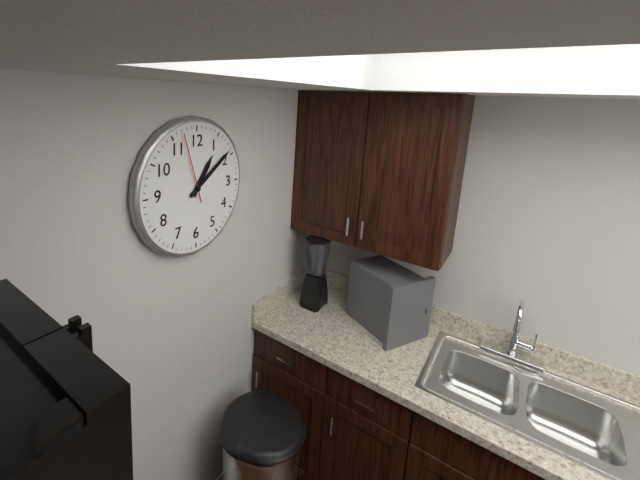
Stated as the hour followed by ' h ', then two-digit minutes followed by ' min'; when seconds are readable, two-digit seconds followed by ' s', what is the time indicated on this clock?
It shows 1 h 09 min 57 s
